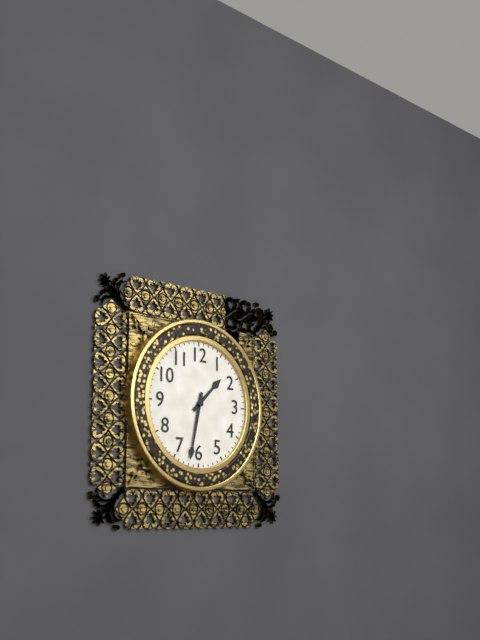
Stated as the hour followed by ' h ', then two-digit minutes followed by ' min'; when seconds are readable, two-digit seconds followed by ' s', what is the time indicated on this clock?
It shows 1 h 32 min
